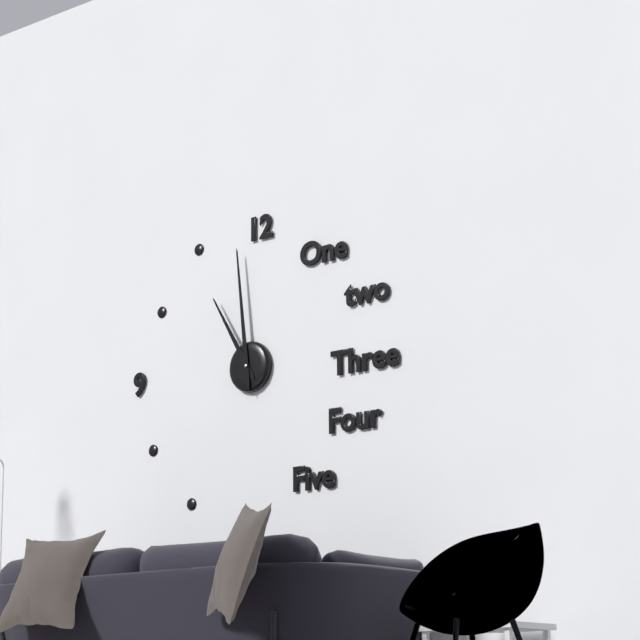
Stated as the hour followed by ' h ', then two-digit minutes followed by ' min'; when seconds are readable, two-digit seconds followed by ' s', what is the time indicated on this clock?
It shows 10 h 59 min
